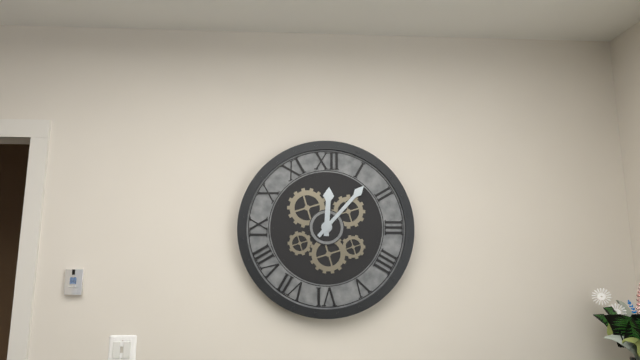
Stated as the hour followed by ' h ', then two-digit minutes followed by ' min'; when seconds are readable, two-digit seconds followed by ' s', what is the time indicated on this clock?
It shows 12 h 07 min
